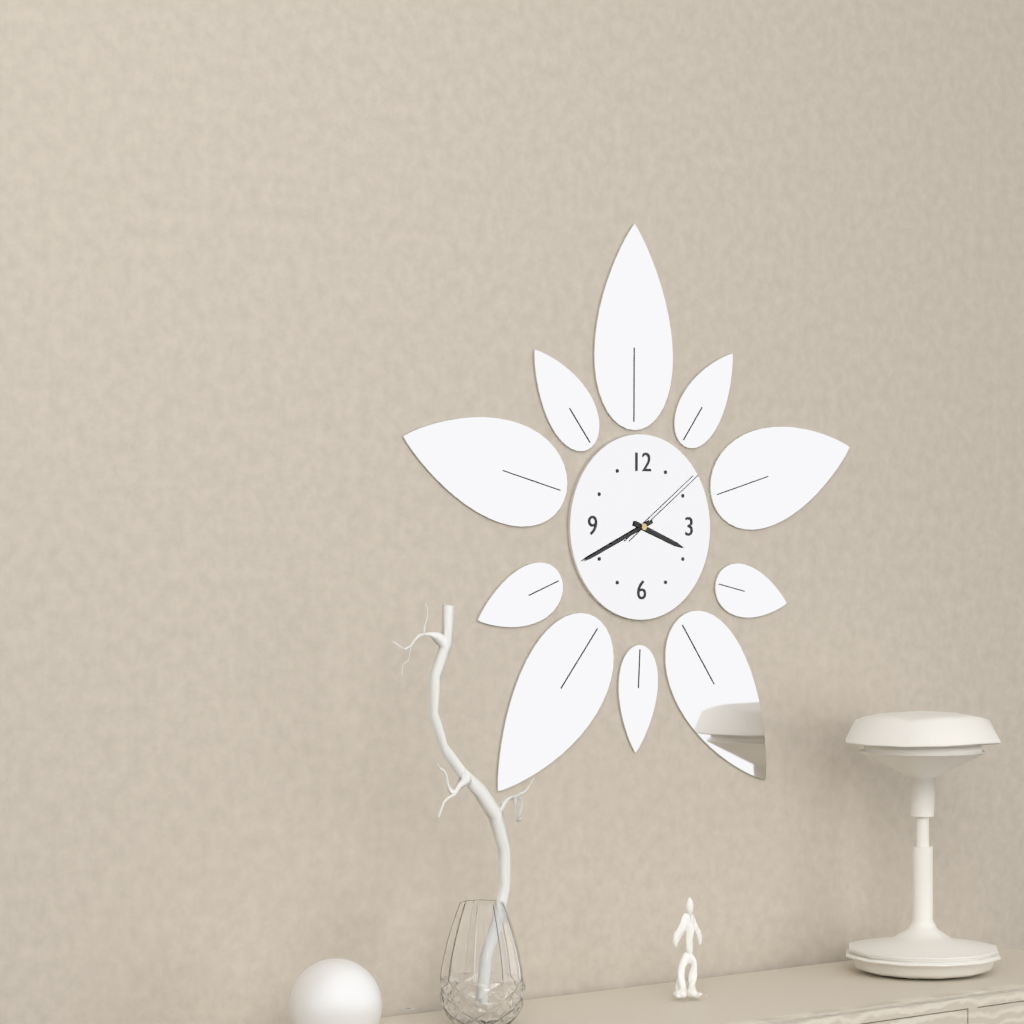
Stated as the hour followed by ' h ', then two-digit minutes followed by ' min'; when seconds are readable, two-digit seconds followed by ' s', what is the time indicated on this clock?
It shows 3 h 41 min 09 s
